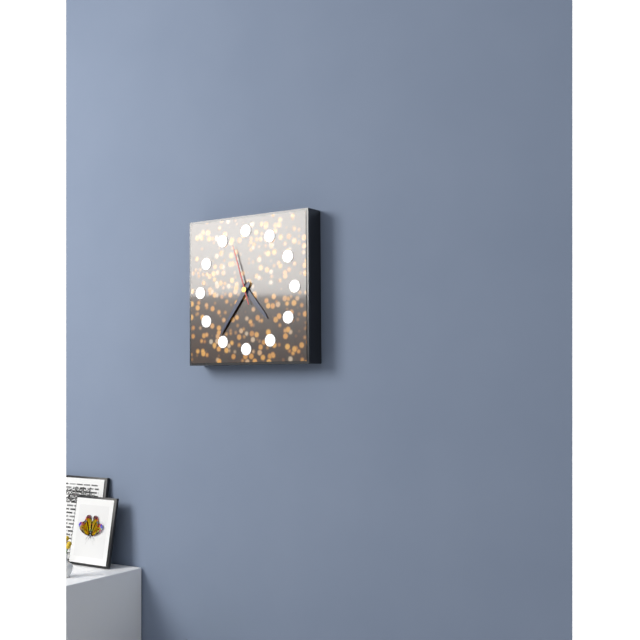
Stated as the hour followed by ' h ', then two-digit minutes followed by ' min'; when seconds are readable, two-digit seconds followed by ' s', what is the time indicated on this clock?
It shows 4 h 36 min 57 s
